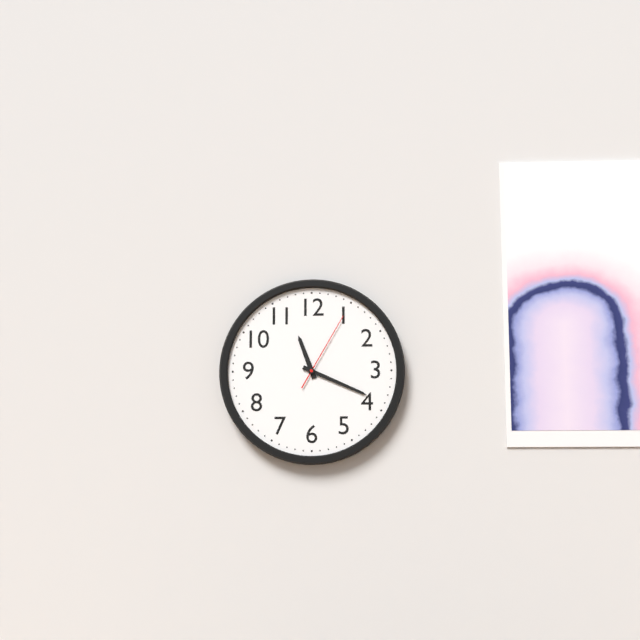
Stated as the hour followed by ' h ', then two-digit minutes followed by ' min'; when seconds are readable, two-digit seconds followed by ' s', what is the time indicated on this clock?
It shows 11 h 19 min 05 s
